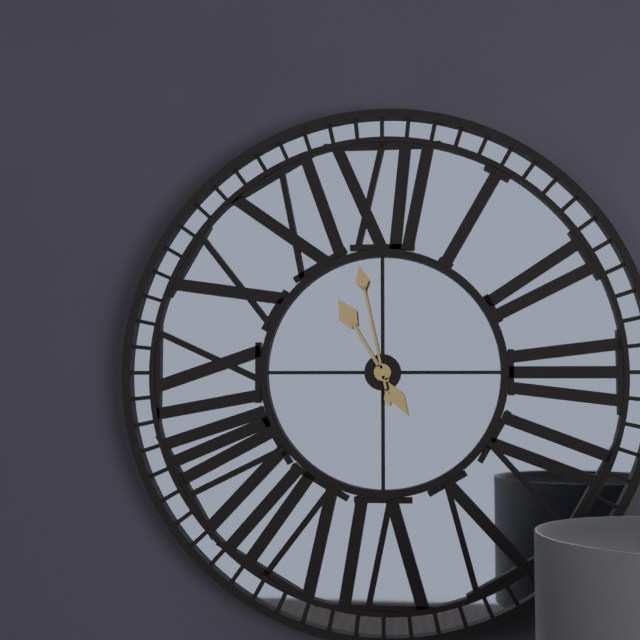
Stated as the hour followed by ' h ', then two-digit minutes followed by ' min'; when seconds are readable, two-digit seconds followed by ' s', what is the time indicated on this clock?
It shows 10 h 58 min
